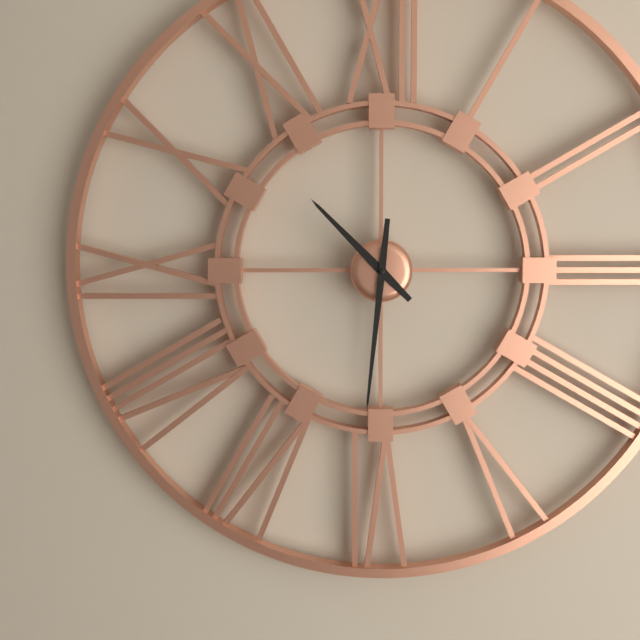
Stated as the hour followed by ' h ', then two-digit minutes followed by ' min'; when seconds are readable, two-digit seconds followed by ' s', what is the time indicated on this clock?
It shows 10 h 31 min
